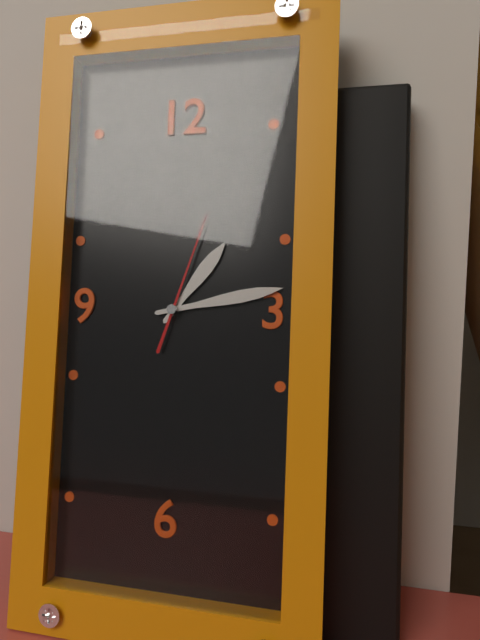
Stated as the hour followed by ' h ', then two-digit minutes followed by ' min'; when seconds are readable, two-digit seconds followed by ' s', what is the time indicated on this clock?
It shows 1 h 13 min 03 s
